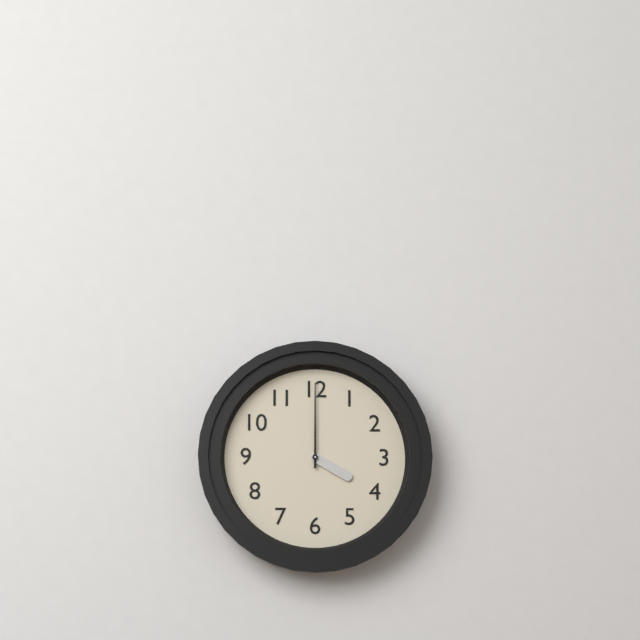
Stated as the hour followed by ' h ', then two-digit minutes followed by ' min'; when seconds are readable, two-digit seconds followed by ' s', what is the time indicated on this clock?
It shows 4 h 00 min
